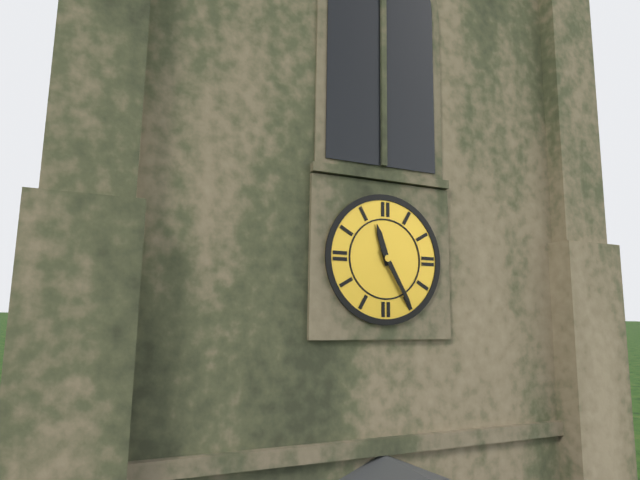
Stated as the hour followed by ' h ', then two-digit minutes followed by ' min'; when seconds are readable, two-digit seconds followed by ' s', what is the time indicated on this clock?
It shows 11 h 25 min
